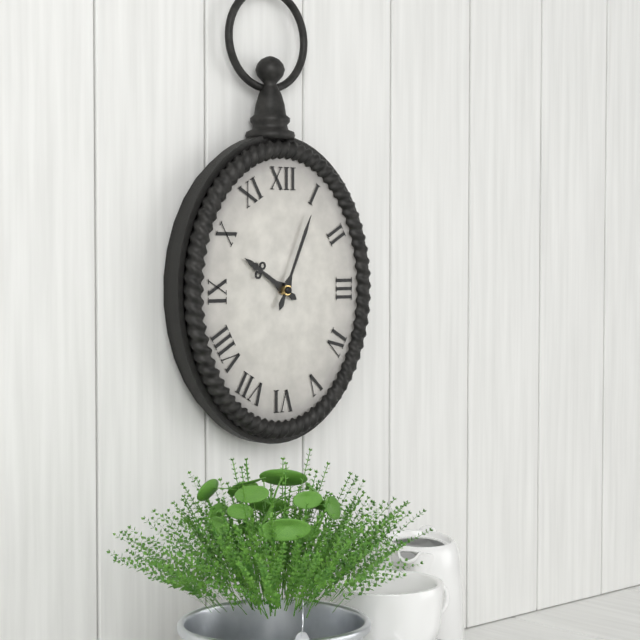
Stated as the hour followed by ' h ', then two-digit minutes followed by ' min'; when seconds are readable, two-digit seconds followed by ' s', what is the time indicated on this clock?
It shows 10 h 04 min
